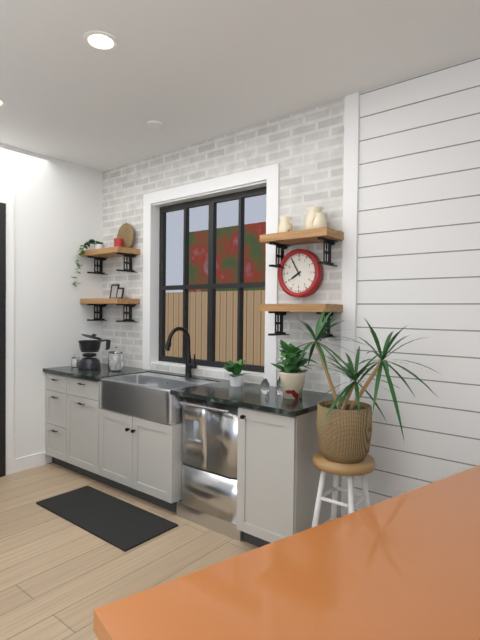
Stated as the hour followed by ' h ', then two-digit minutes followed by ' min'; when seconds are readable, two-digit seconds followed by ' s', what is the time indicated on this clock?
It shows 7 h 55 min
